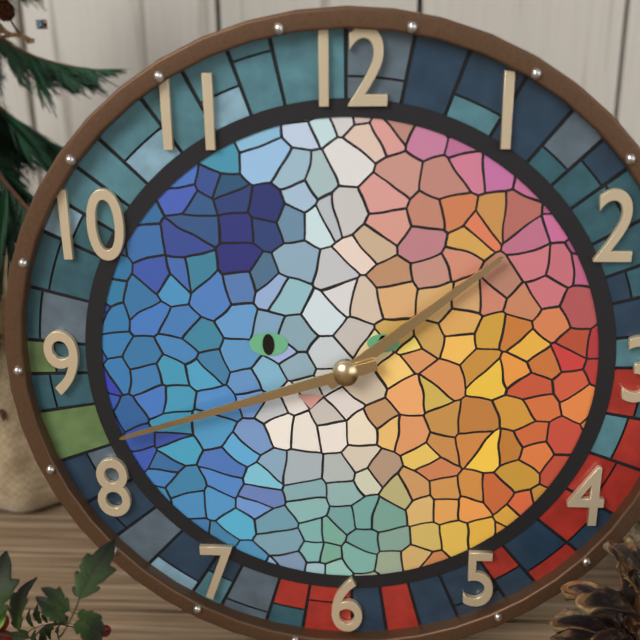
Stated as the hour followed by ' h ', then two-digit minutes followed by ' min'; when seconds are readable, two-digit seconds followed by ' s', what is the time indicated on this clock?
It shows 1 h 42 min
